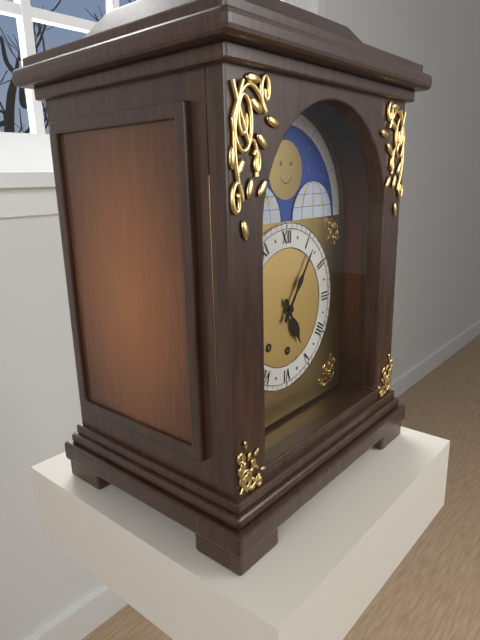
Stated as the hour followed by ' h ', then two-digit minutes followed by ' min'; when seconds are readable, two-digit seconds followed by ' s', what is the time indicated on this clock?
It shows 5 h 06 min
